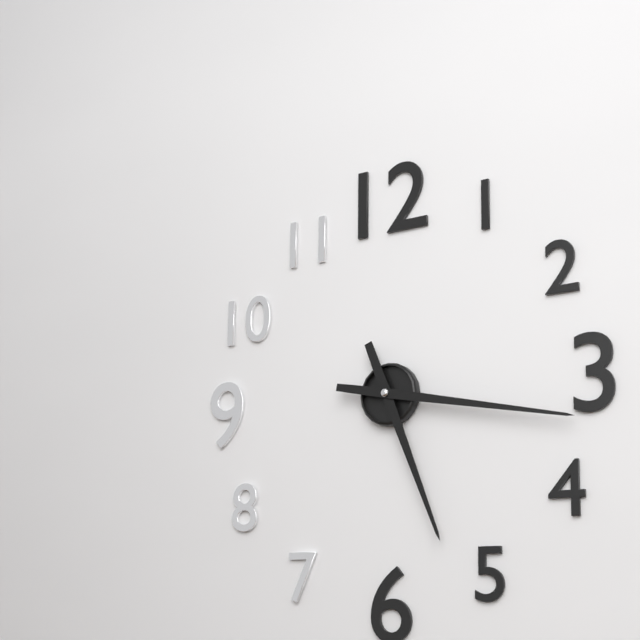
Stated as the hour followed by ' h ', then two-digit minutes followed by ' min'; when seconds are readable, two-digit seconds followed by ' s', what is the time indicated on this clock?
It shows 5 h 17 min
